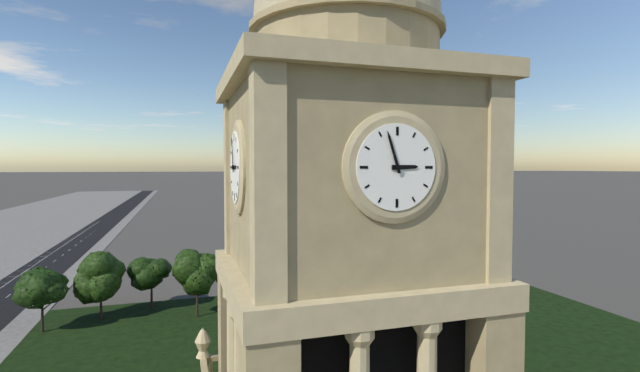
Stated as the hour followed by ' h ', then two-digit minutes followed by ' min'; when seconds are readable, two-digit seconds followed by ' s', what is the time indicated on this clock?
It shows 2 h 57 min
